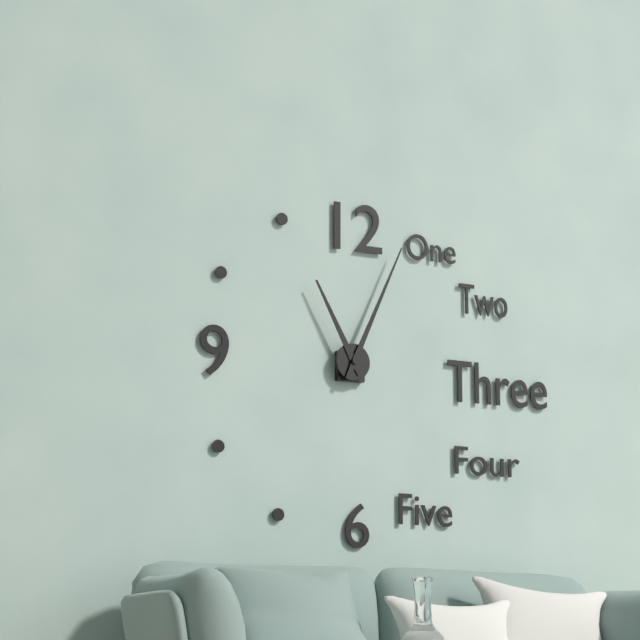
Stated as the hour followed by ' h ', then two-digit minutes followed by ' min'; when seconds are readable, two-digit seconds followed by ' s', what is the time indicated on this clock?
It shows 11 h 04 min
